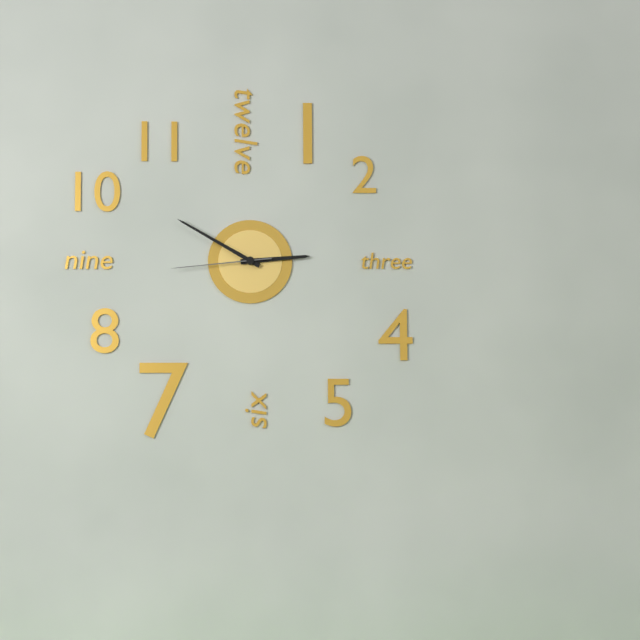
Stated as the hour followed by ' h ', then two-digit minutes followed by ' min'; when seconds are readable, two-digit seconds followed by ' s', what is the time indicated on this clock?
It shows 2 h 50 min 44 s
